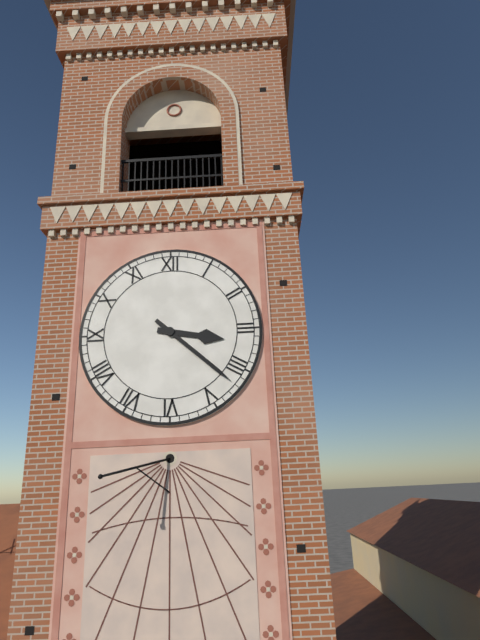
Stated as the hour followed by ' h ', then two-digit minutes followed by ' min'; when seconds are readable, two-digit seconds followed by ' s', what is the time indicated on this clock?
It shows 3 h 22 min
